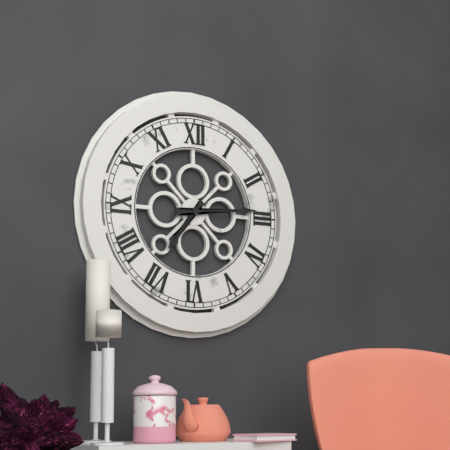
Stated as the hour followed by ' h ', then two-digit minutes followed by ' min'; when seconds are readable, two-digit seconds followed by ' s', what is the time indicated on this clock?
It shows 7 h 14 min
